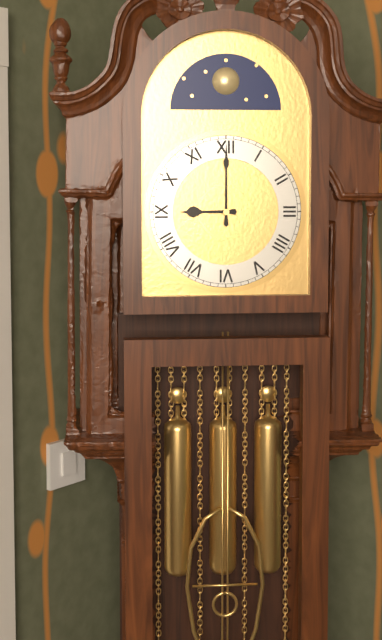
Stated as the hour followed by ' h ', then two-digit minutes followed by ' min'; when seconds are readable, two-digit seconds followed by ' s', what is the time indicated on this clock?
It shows 9 h 00 min
